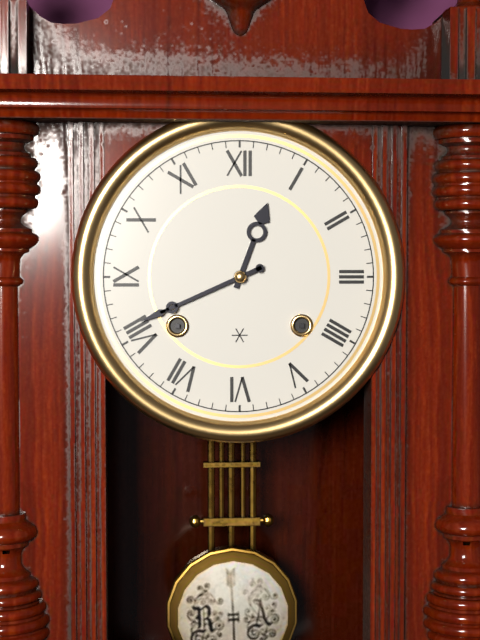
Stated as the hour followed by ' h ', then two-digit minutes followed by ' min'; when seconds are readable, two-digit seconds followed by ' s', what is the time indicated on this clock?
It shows 12 h 41 min
